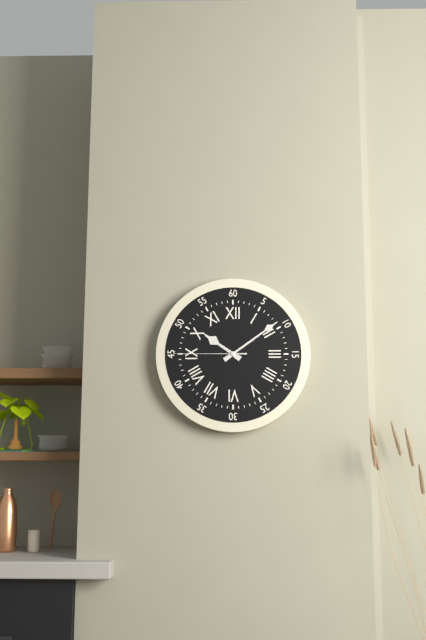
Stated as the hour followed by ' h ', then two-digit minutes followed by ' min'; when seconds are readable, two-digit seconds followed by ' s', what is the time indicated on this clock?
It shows 10 h 09 min 45 s
